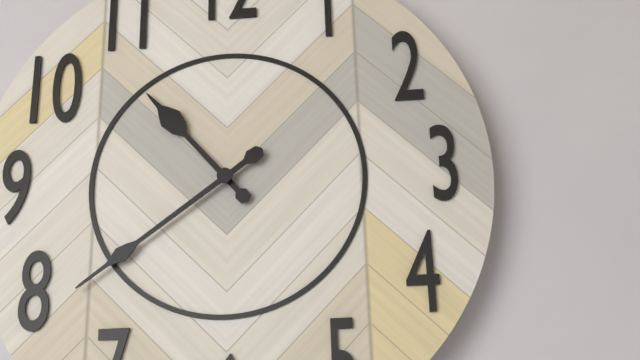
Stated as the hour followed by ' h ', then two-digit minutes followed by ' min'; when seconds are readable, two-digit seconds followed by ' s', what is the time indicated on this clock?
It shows 10 h 39 min
